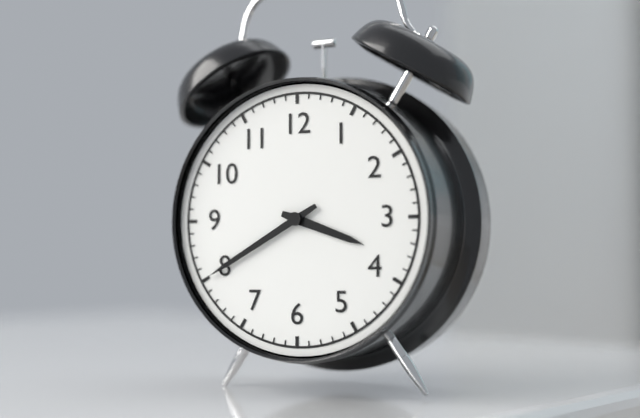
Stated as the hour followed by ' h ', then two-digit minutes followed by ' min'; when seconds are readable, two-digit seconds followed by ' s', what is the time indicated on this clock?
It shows 3 h 40 min
